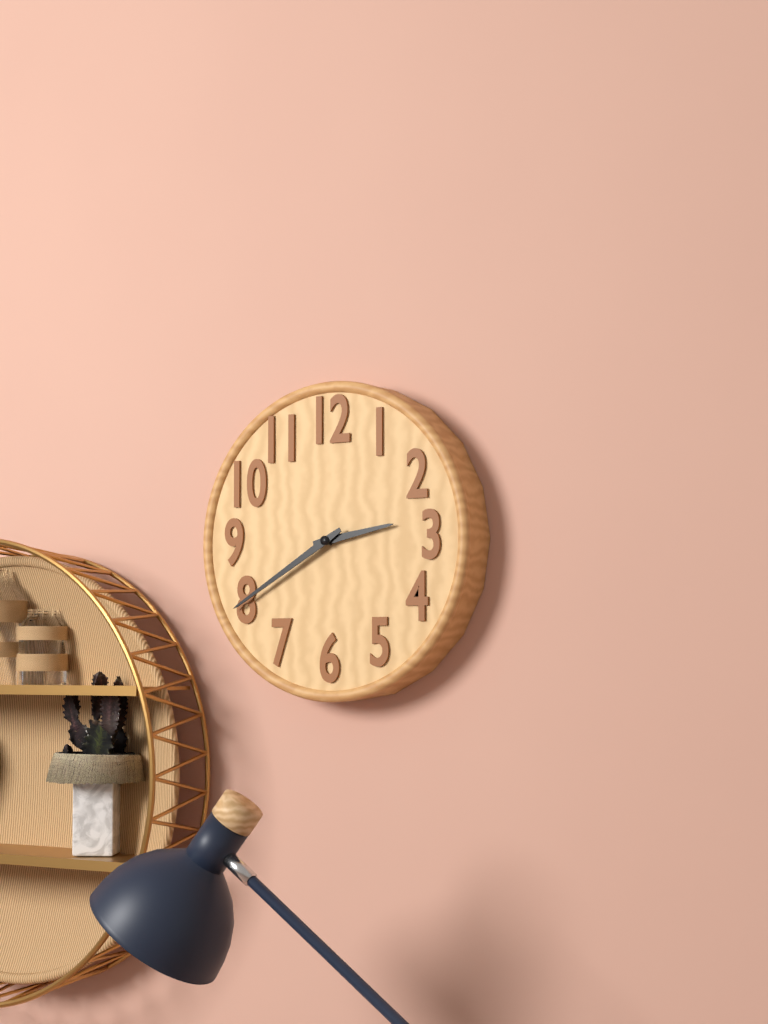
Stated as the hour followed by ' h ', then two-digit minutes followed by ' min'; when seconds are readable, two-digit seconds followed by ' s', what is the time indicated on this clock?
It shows 2 h 40 min
